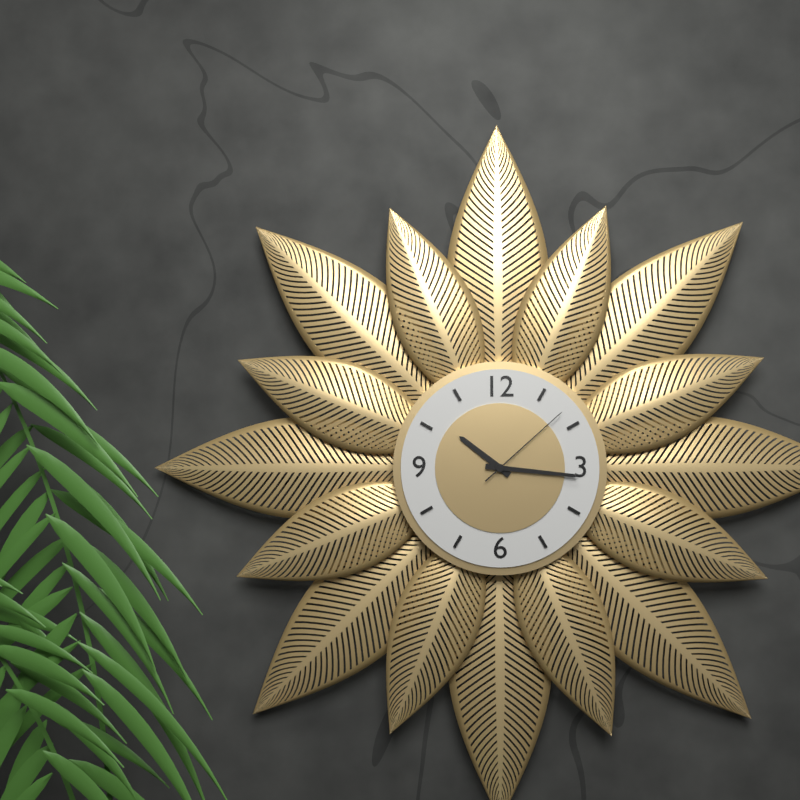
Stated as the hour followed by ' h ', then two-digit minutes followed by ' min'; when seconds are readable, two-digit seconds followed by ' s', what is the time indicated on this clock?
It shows 10 h 16 min 08 s
